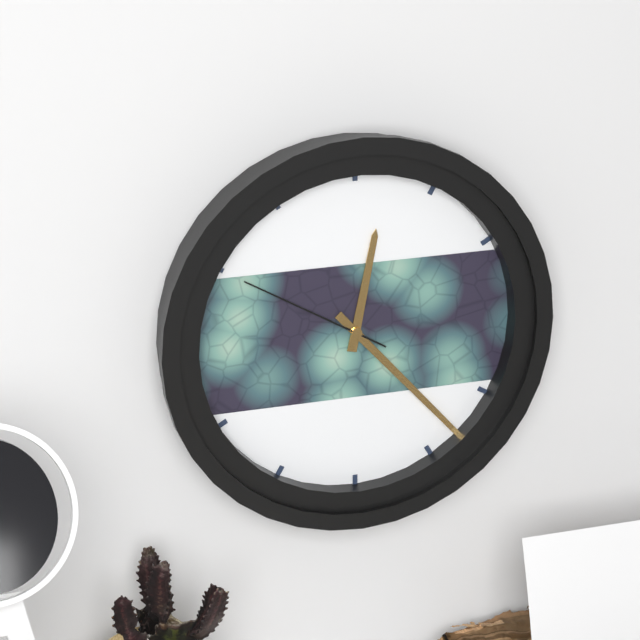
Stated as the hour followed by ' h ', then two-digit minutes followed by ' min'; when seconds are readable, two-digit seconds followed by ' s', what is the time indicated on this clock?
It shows 12 h 23 min 50 s
